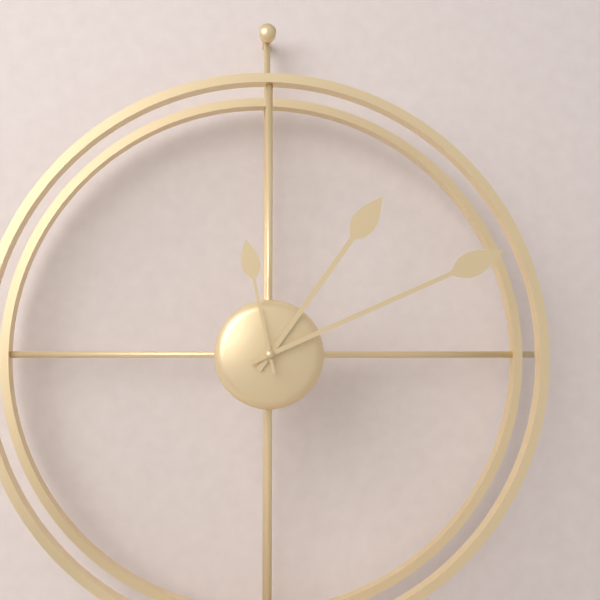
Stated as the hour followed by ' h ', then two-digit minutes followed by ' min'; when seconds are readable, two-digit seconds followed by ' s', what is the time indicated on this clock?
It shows 1 h 11 min 58 s
